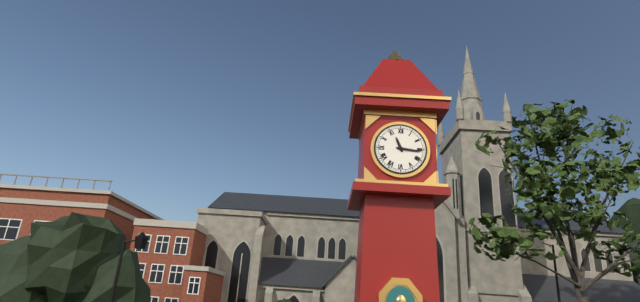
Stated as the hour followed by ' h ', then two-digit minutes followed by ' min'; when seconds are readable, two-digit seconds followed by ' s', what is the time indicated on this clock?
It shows 11 h 16 min
